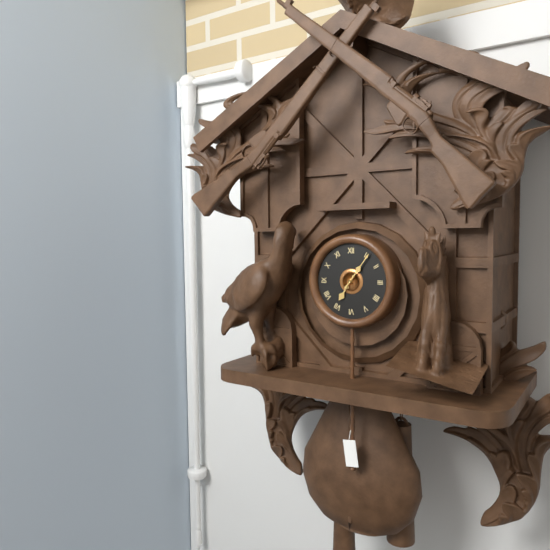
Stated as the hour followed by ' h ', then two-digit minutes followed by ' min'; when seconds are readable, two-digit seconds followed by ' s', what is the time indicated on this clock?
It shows 7 h 06 min
